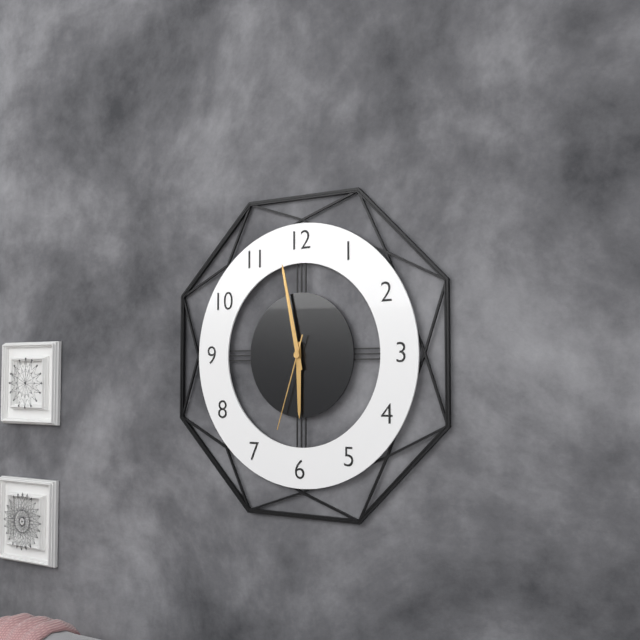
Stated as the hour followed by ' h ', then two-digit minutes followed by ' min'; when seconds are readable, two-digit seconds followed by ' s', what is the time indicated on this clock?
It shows 5 h 58 min 33 s
